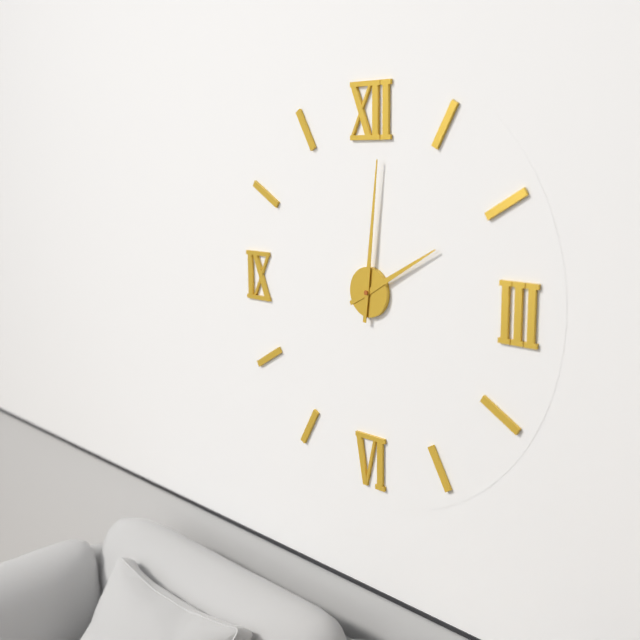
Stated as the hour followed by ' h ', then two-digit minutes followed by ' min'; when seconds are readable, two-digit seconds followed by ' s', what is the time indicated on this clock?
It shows 2 h 01 min
